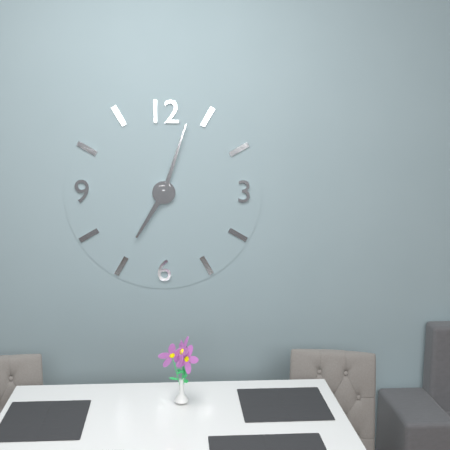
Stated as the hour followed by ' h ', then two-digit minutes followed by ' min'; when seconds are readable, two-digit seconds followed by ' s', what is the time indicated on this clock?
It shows 7 h 03 min
